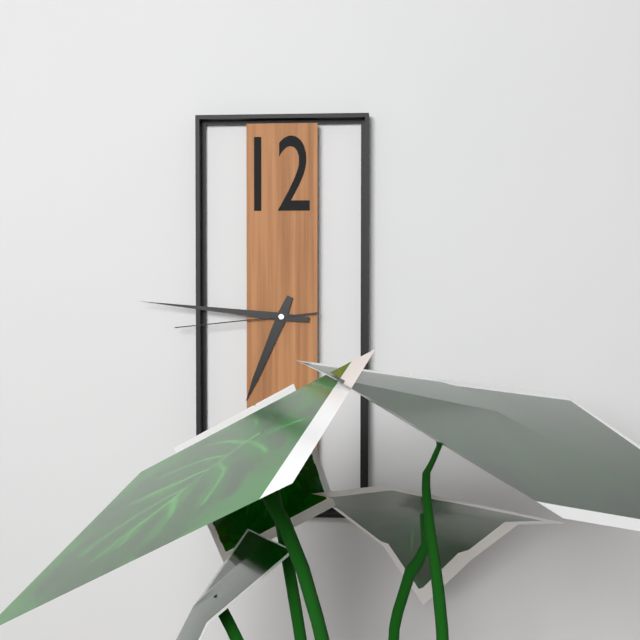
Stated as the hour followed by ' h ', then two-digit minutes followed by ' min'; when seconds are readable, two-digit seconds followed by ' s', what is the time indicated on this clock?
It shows 6 h 46 min 44 s
